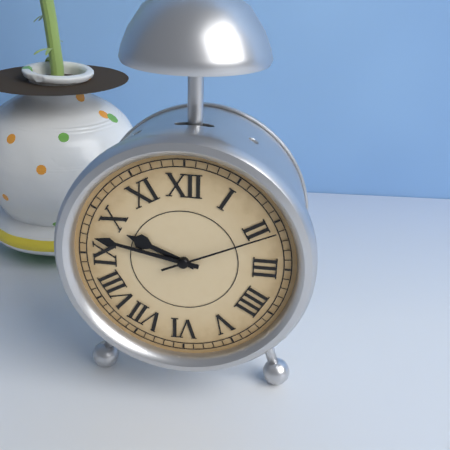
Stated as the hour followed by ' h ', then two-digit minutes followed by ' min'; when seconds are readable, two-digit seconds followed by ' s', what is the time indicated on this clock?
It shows 9 h 47 min 11 s
